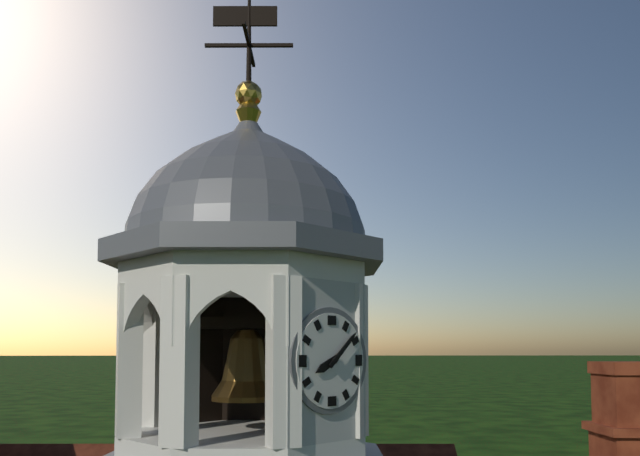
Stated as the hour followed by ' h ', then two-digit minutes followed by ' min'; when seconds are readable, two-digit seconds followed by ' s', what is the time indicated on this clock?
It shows 8 h 08 min
